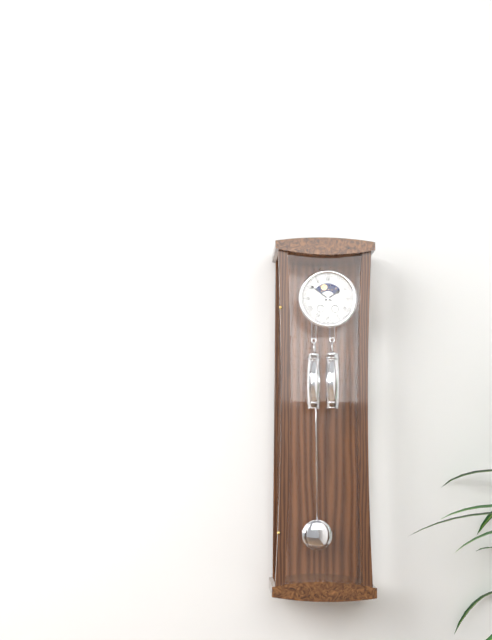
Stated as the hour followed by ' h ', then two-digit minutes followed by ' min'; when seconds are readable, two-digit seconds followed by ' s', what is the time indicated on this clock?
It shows 1 h 51 min
